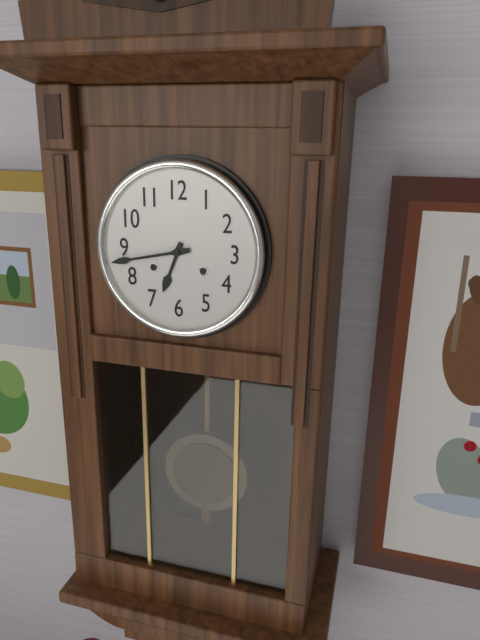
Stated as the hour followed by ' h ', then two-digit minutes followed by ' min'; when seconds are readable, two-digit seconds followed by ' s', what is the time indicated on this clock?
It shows 6 h 43 min
